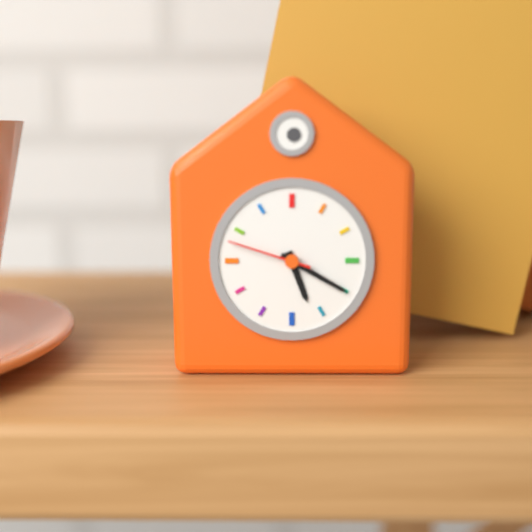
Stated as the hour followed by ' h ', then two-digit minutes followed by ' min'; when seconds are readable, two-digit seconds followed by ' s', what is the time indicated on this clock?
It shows 5 h 20 min 48 s
